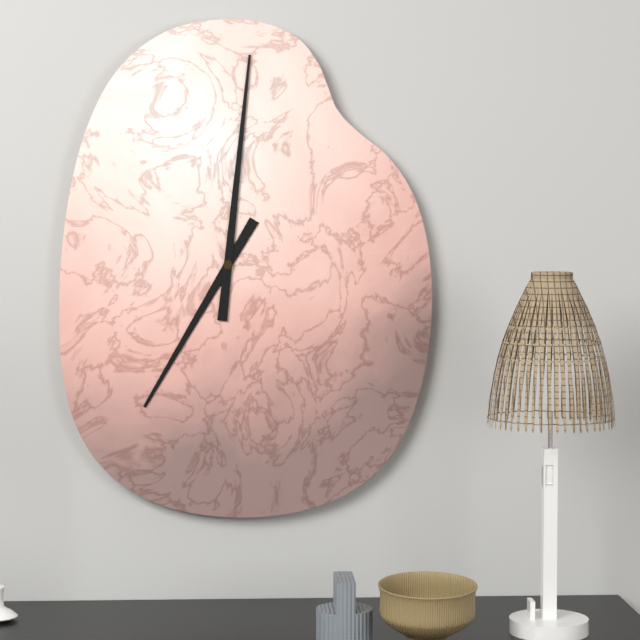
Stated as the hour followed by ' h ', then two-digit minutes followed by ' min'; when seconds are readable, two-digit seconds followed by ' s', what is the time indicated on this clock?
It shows 7 h 01 min
